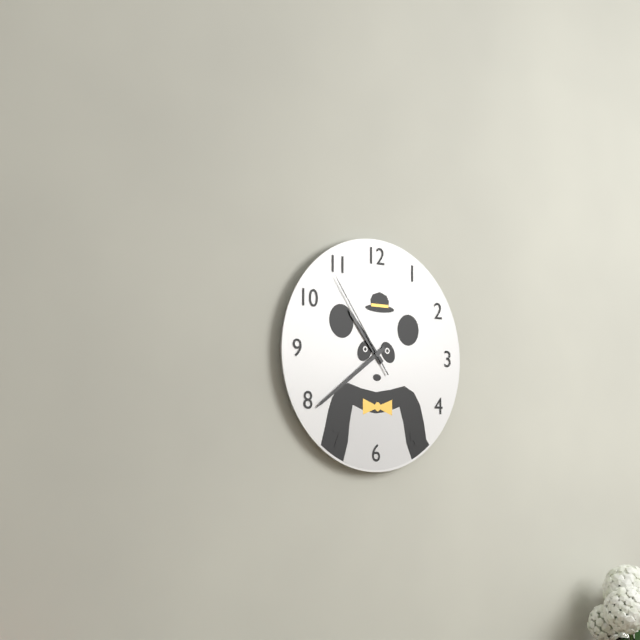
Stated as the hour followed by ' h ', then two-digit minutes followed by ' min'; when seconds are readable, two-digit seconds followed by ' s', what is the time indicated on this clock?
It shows 10 h 39 min 54 s
